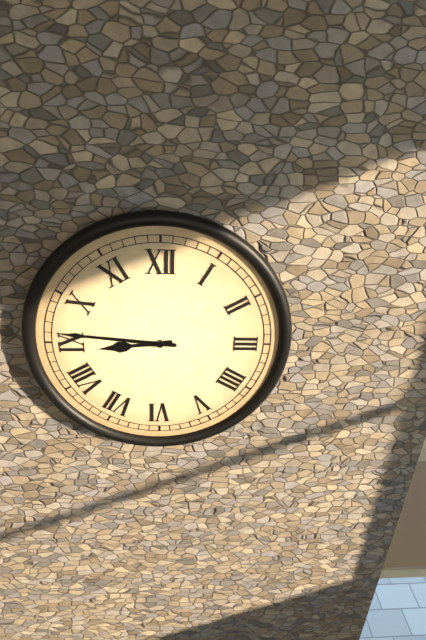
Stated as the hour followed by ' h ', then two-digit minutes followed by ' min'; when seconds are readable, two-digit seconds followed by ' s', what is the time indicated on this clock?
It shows 8 h 46 min
